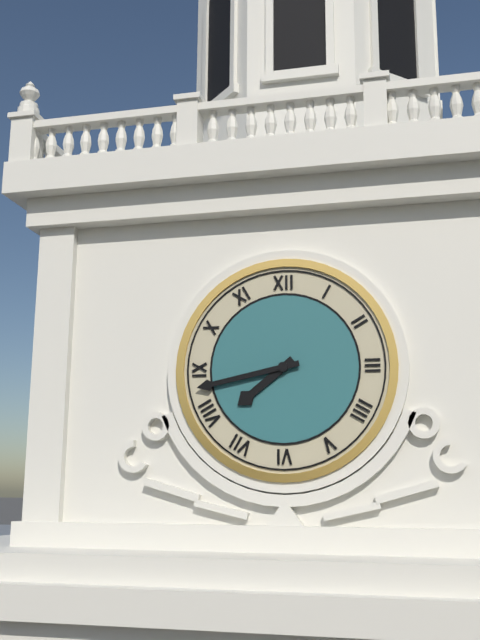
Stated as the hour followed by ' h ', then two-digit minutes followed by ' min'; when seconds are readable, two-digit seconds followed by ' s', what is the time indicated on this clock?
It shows 7 h 43 min
